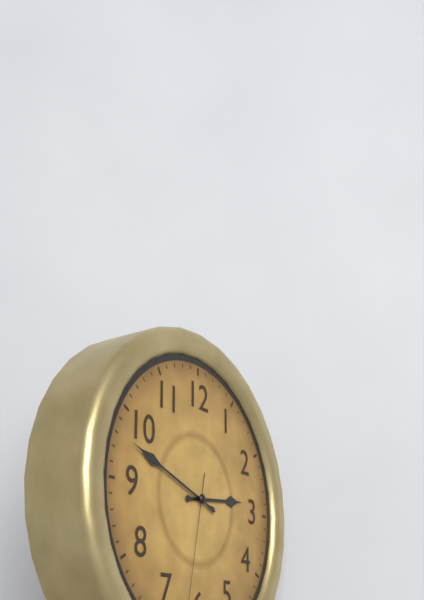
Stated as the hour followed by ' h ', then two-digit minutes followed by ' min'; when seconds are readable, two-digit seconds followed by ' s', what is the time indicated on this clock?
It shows 2 h 48 min
